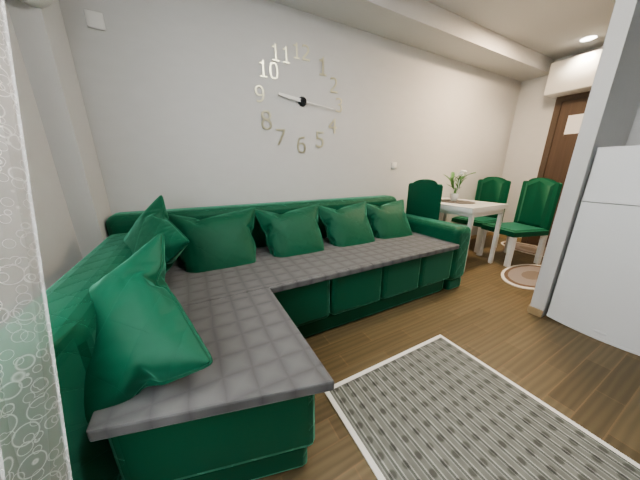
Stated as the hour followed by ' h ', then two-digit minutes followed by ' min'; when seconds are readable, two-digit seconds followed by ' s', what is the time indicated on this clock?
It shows 9 h 16 min
